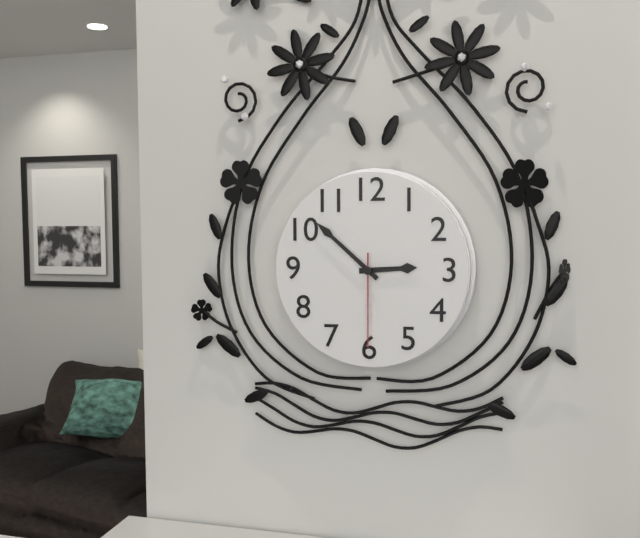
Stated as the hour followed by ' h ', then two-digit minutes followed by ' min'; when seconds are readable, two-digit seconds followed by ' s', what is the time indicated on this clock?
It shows 2 h 52 min 30 s
